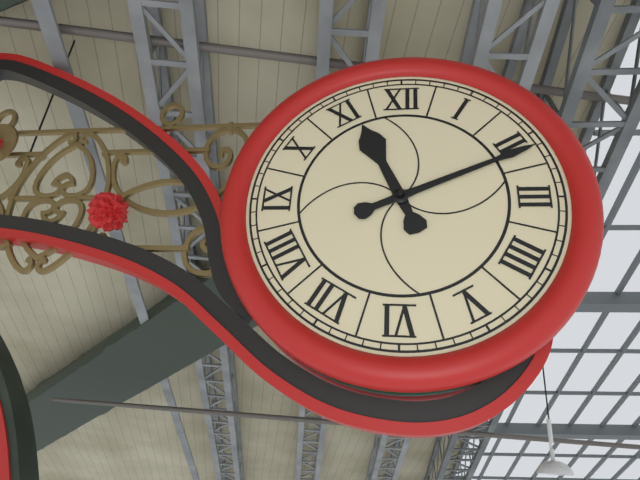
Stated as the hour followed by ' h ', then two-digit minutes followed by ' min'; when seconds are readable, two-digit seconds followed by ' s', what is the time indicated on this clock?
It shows 11 h 11 min
